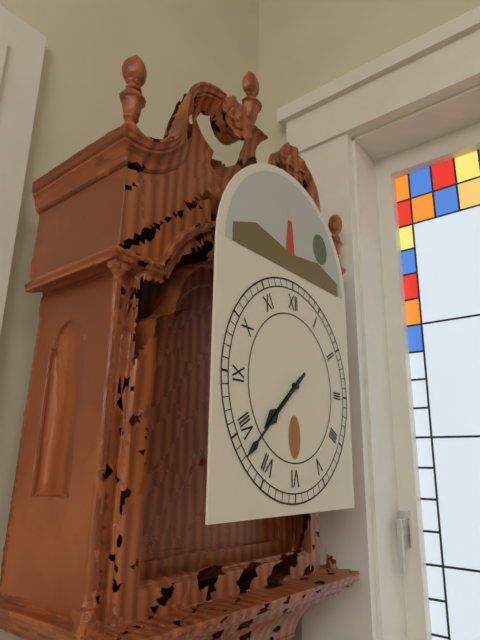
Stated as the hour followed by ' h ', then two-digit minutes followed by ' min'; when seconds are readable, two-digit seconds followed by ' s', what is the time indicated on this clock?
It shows 7 h 38 min
